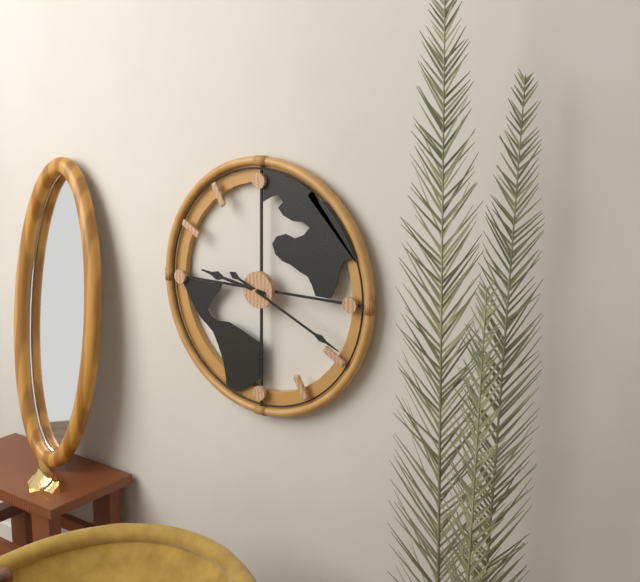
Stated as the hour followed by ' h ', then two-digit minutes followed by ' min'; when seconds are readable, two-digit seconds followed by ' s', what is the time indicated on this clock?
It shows 9 h 19 min
